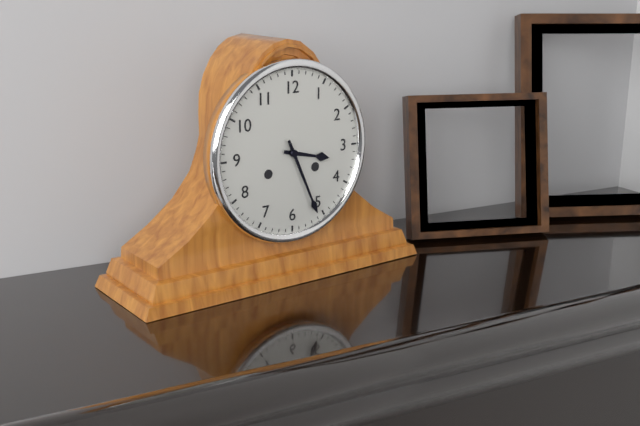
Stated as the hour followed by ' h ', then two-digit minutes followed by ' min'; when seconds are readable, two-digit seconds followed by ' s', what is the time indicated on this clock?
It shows 3 h 26 min
